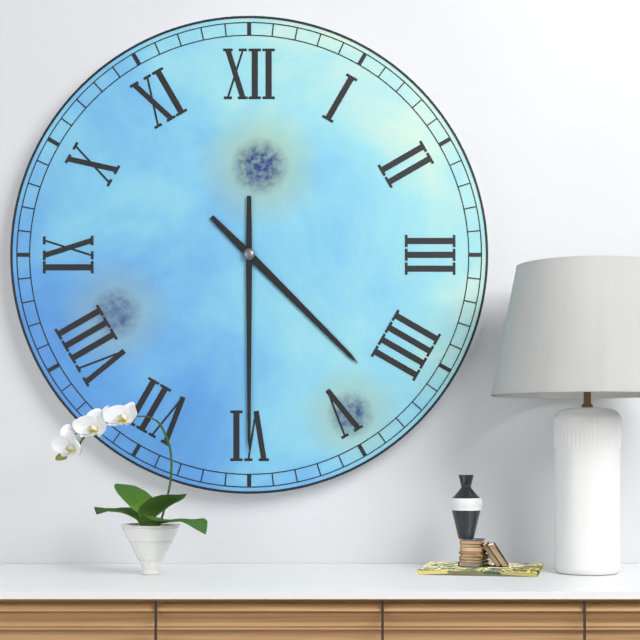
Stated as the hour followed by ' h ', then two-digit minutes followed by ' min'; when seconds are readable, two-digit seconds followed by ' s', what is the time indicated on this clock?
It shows 4 h 30 min
